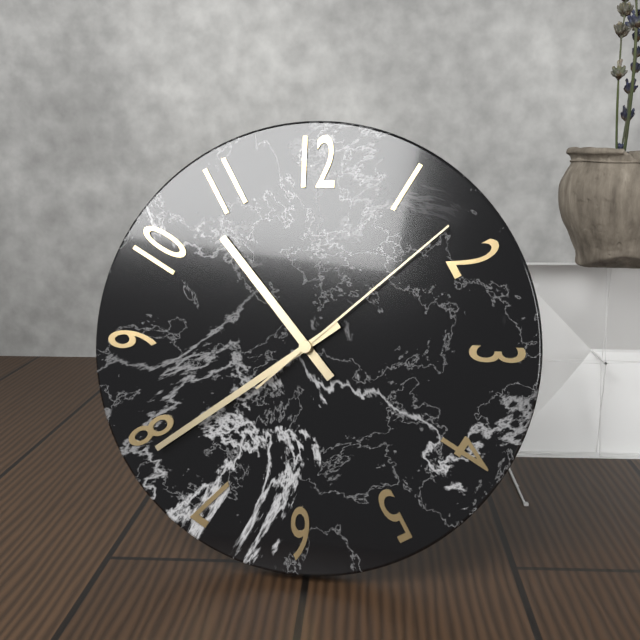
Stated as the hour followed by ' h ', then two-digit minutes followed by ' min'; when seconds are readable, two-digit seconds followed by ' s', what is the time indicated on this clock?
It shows 10 h 39 min 08 s
